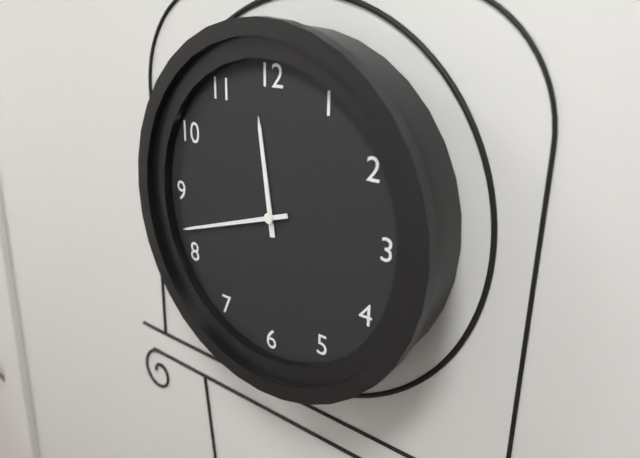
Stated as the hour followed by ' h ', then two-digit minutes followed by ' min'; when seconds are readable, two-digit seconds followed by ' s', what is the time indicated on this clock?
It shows 11 h 42 min
